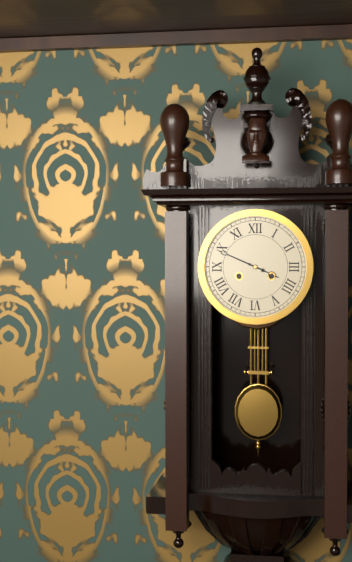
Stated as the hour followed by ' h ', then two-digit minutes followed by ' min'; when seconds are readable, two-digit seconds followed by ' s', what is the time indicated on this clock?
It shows 3 h 49 min
